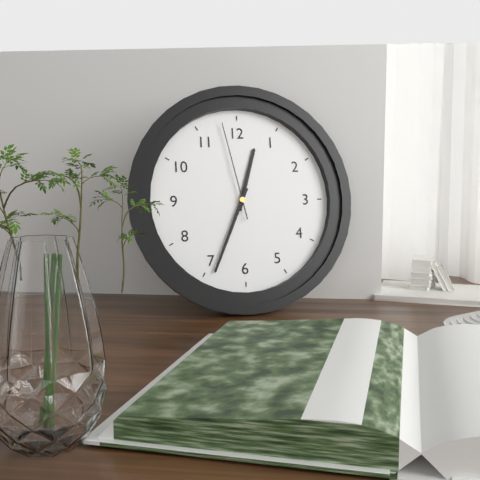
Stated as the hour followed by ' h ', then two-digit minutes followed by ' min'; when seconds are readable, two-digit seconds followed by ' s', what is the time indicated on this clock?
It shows 12 h 34 min 58 s
